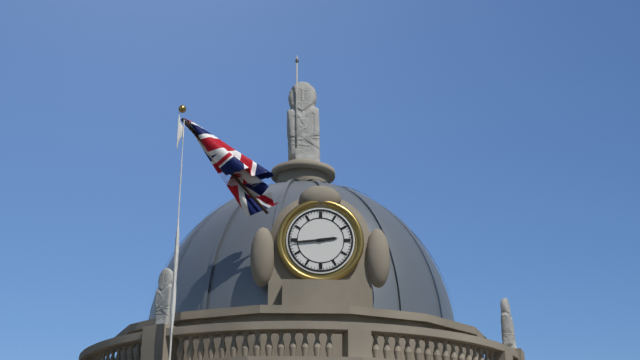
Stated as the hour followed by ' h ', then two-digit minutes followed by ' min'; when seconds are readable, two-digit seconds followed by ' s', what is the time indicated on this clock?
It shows 2 h 44 min
